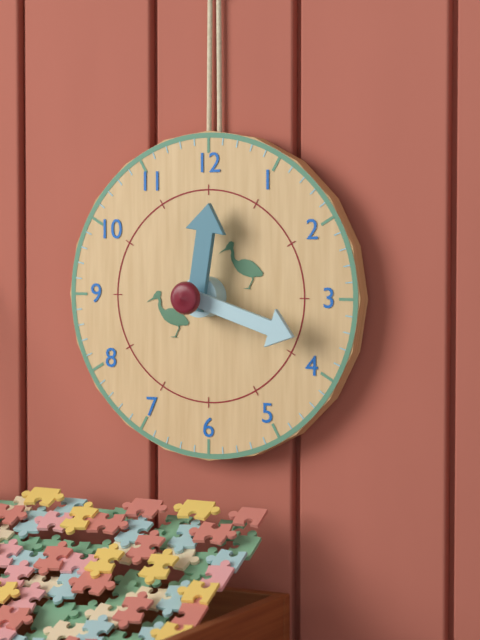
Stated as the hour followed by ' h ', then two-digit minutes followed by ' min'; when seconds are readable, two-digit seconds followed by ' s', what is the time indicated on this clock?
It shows 12 h 18 min
